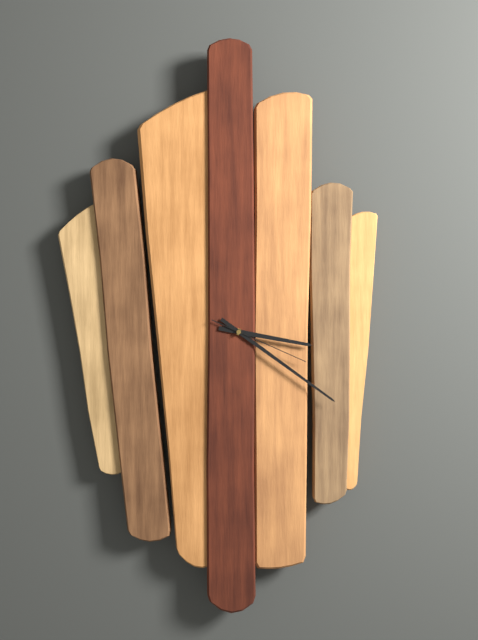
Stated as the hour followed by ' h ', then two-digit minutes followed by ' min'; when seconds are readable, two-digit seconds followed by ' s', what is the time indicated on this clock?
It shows 3 h 21 min 19 s
